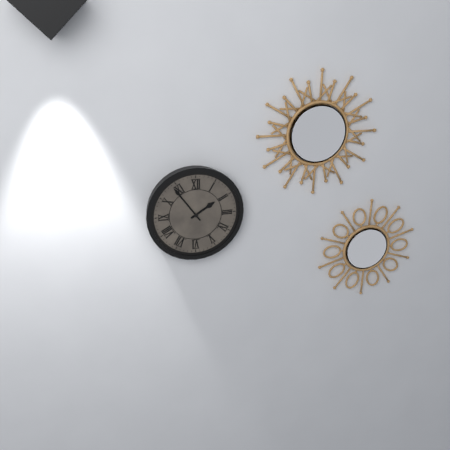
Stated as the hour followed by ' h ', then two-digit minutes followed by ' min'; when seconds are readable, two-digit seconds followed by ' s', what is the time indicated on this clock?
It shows 1 h 54 min
